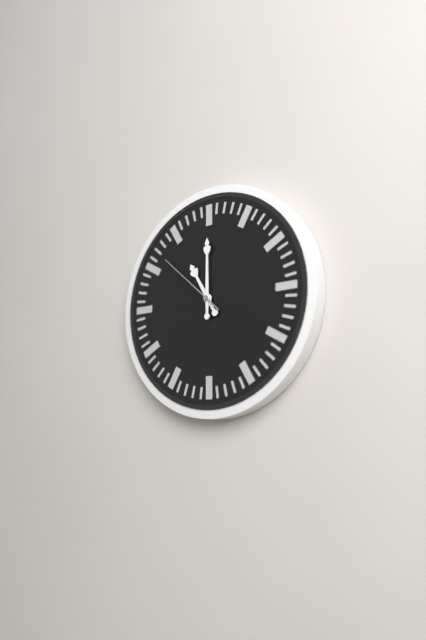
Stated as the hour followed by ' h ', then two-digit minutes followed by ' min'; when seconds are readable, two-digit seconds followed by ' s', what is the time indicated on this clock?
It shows 11 h 00 min 52 s
